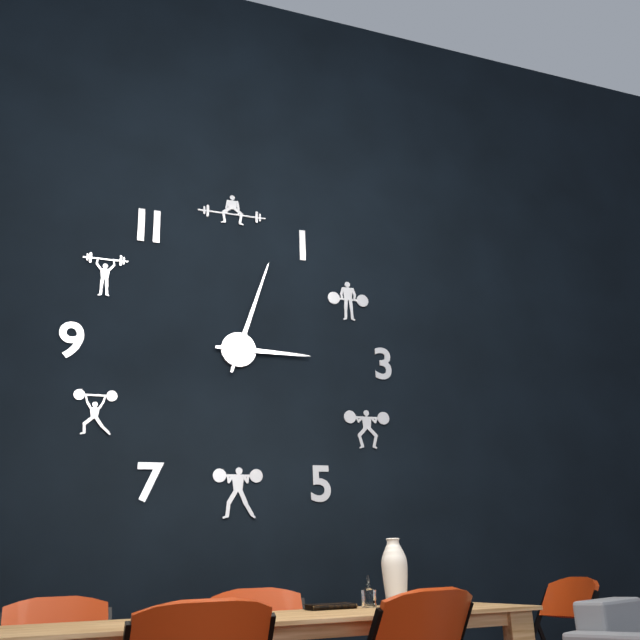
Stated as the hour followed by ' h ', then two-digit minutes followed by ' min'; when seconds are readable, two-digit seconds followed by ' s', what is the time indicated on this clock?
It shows 3 h 03 min
